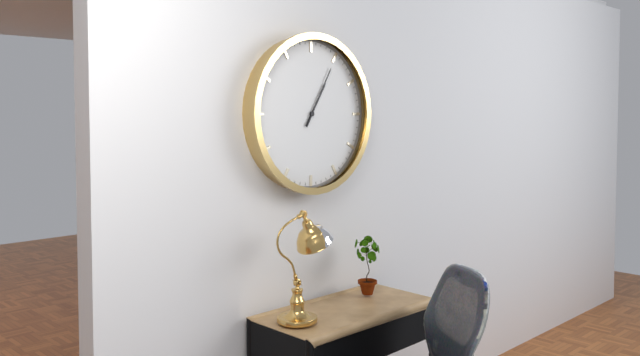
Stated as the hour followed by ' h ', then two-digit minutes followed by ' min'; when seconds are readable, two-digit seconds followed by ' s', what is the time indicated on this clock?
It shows 1 h 05 min
